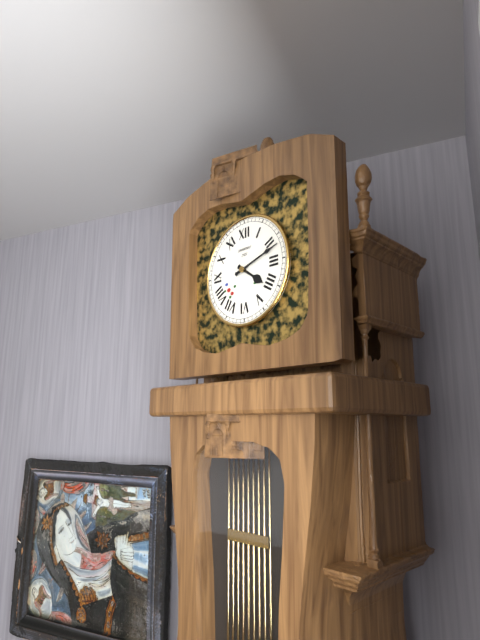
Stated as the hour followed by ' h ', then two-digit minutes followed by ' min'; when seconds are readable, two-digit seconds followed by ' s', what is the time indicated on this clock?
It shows 4 h 12 min
